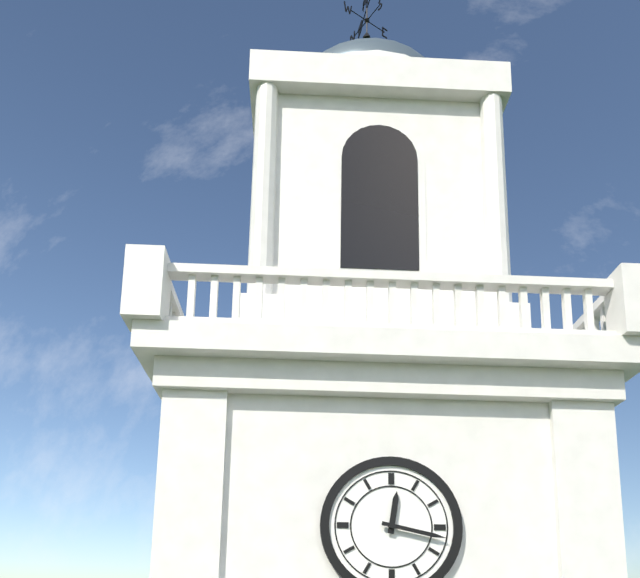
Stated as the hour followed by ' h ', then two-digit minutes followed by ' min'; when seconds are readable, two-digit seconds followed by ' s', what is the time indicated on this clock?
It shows 12 h 17 min
